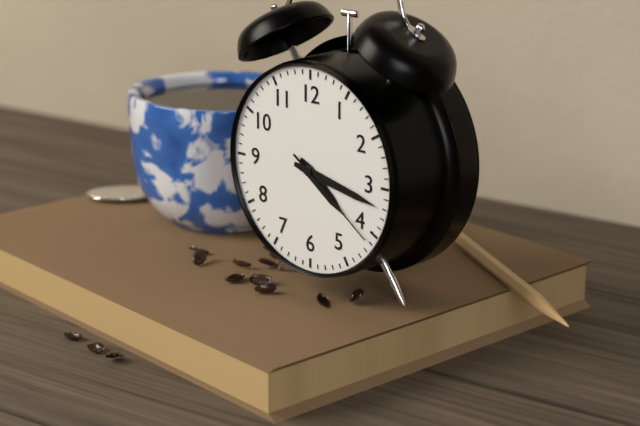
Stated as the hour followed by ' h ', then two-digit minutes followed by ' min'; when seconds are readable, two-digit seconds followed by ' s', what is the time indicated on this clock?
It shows 4 h 17 min 21 s
